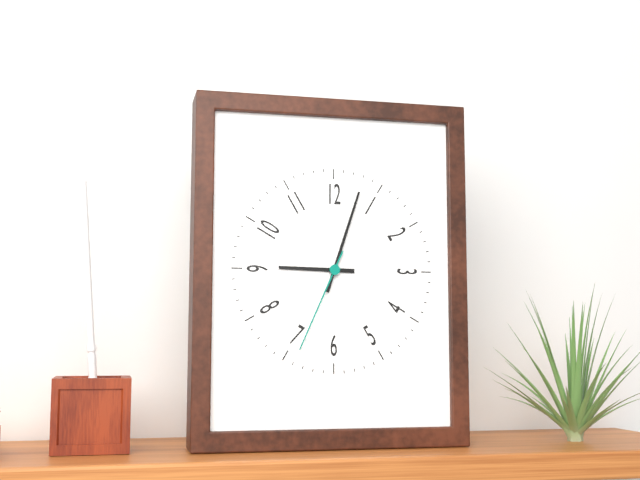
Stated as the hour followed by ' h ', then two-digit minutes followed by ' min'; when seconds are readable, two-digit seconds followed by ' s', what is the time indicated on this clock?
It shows 9 h 03 min 34 s
